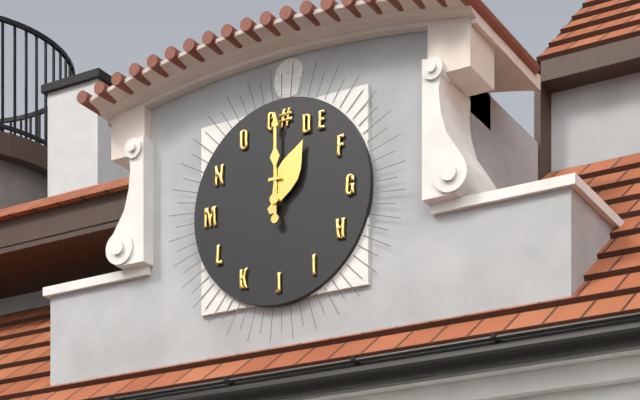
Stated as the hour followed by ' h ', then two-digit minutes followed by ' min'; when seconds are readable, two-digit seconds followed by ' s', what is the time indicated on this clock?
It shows 1 h 00 min
